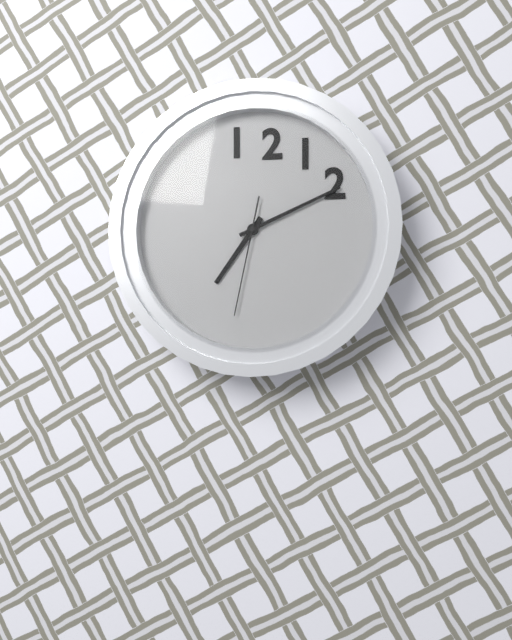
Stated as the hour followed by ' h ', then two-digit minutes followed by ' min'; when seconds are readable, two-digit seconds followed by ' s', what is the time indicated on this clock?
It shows 7 h 11 min 32 s
